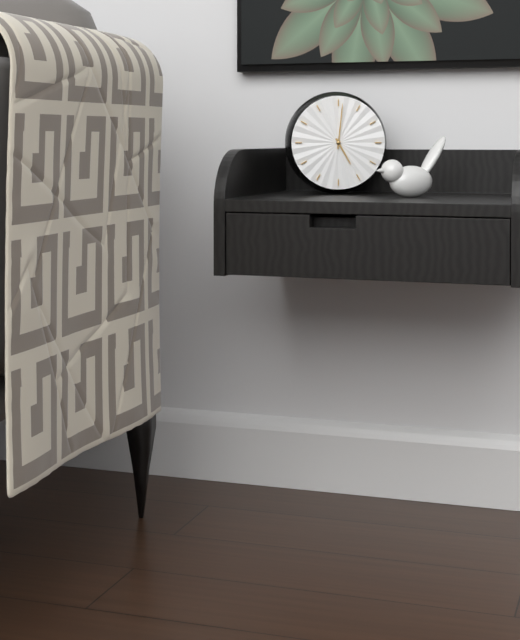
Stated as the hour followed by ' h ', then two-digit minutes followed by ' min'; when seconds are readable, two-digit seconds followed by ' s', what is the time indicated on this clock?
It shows 5 h 01 min
